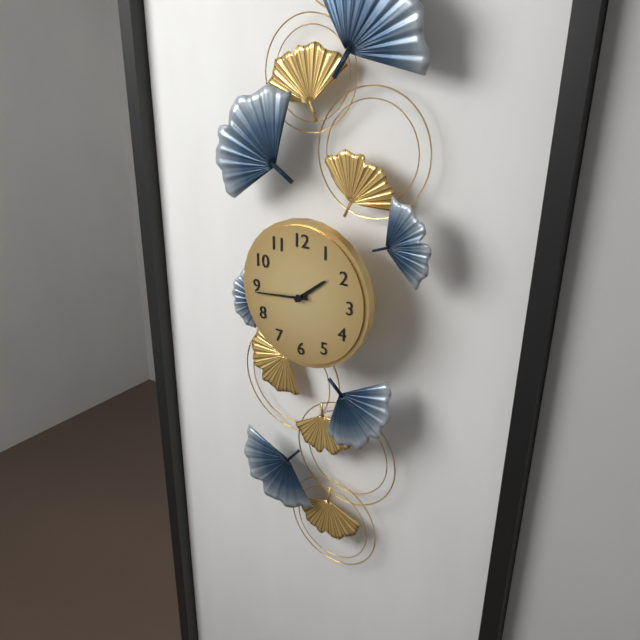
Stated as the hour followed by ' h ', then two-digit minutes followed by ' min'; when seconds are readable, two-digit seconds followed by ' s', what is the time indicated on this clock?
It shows 1 h 44 min
